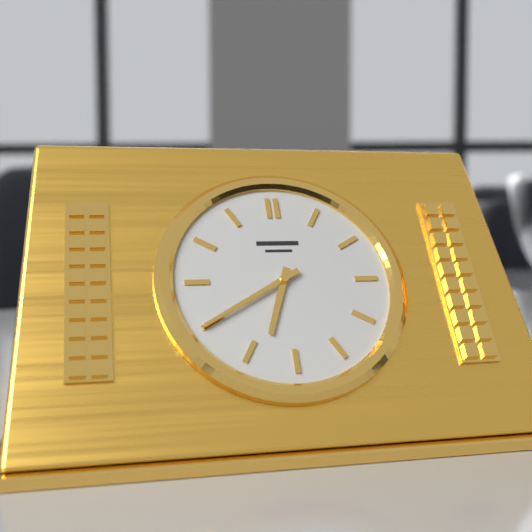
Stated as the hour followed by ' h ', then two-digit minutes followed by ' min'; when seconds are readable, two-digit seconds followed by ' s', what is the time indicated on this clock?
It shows 6 h 40 min
